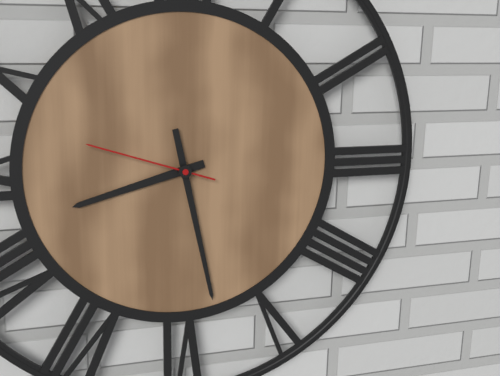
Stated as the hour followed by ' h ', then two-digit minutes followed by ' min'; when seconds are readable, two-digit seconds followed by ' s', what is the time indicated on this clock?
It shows 8 h 28 min 48 s
